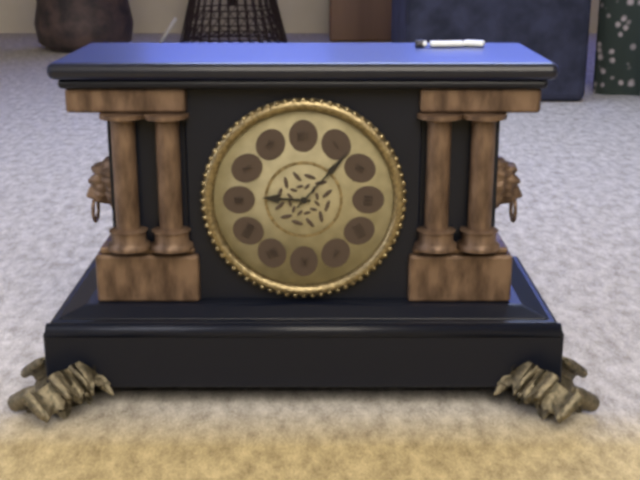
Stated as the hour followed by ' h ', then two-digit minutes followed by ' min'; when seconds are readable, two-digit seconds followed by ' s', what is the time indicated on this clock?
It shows 9 h 07 min
